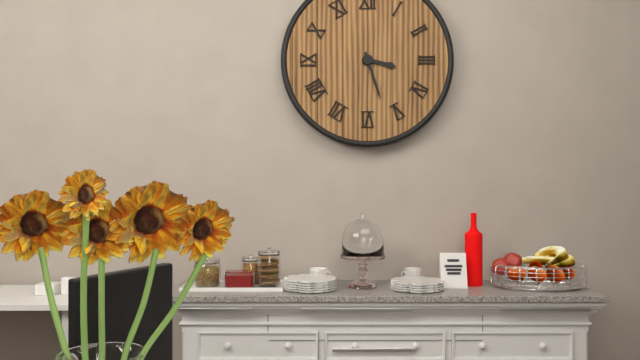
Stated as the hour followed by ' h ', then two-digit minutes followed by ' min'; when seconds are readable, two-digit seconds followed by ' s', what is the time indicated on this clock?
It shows 3 h 27 min
